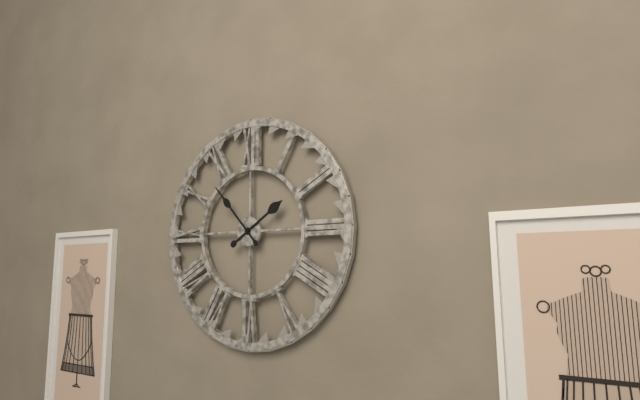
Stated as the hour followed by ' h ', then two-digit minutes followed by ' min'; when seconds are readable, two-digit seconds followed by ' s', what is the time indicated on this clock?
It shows 1 h 53 min
